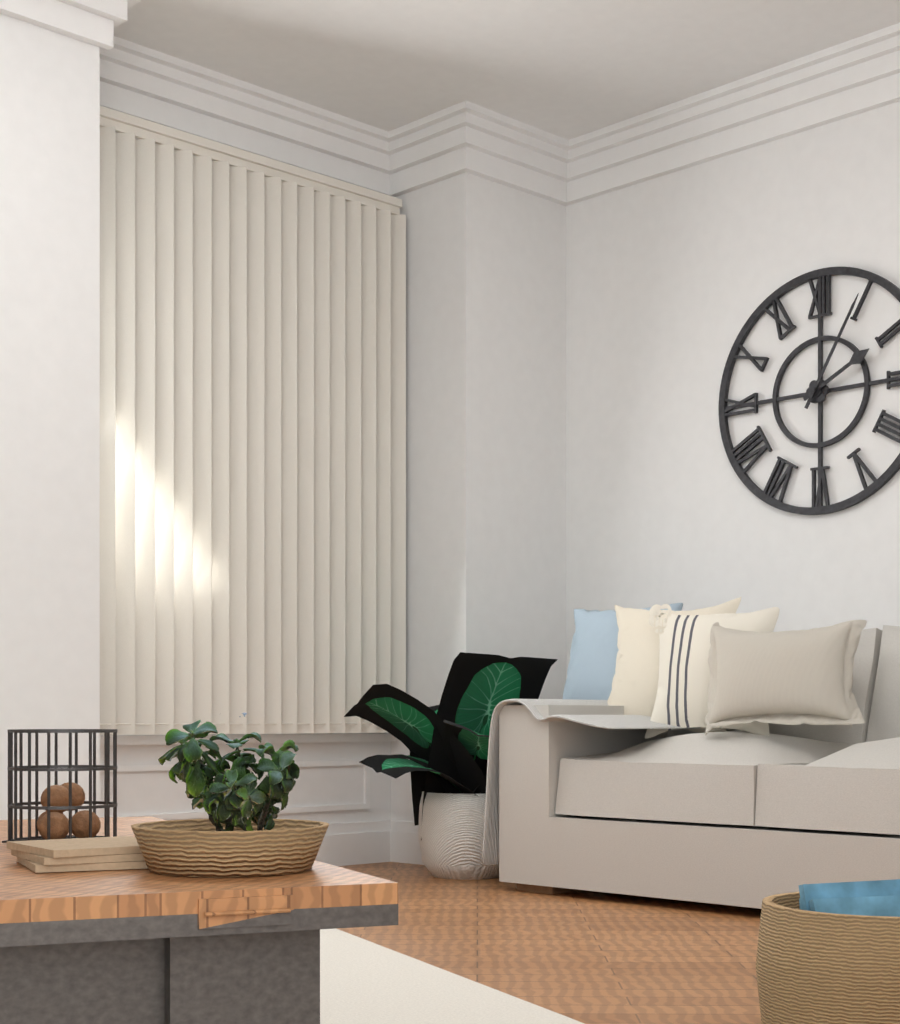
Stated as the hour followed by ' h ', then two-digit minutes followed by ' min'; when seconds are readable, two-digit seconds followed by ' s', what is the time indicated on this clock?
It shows 2 h 05 min
